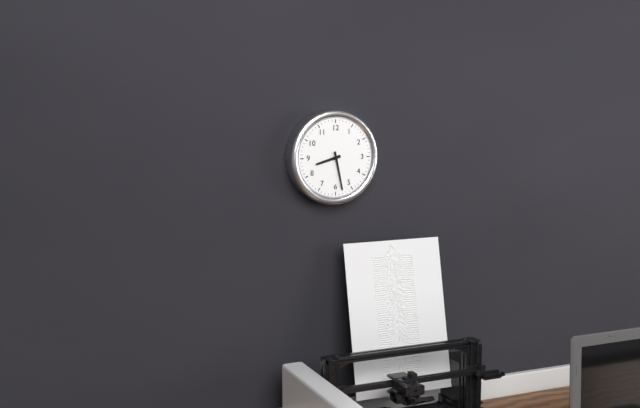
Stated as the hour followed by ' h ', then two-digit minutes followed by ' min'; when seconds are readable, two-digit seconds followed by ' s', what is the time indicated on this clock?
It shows 8 h 28 min
